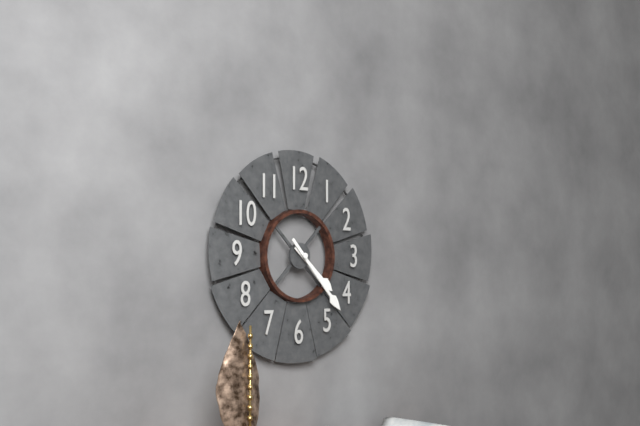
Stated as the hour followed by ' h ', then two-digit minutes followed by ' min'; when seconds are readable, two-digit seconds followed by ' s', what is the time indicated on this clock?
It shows 4 h 23 min
